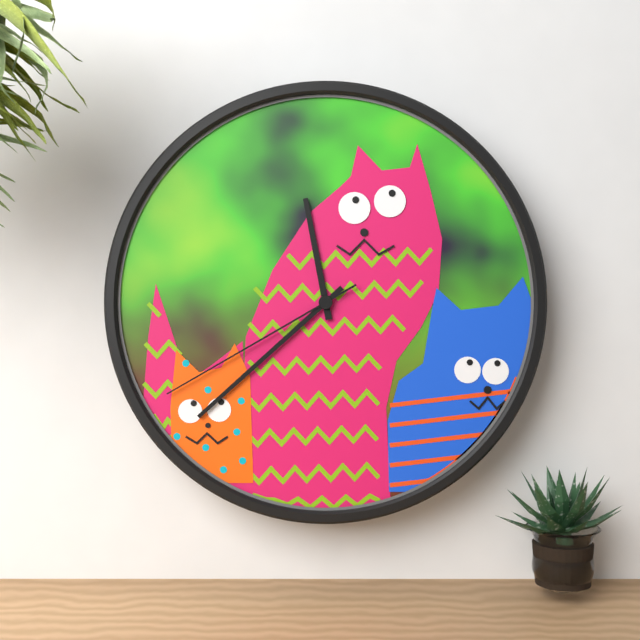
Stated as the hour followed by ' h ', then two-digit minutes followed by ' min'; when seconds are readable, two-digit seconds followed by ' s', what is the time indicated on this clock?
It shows 11 h 38 min 40 s
